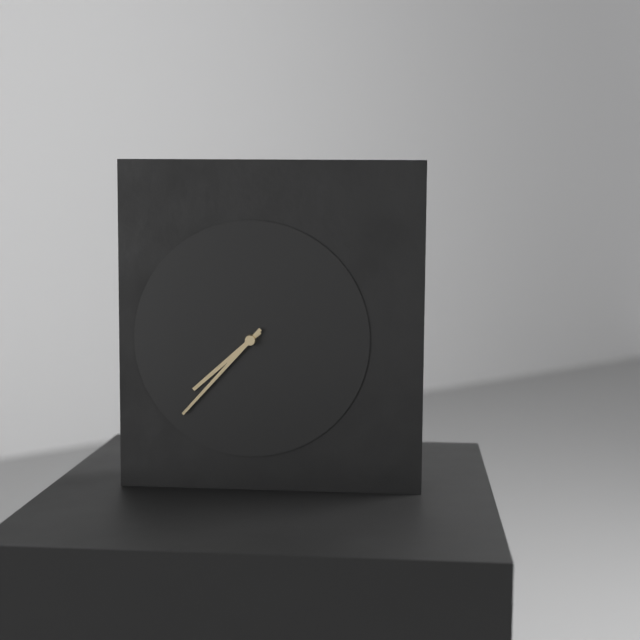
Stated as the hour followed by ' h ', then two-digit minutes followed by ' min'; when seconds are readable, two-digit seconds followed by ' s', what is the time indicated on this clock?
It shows 7 h 37 min
